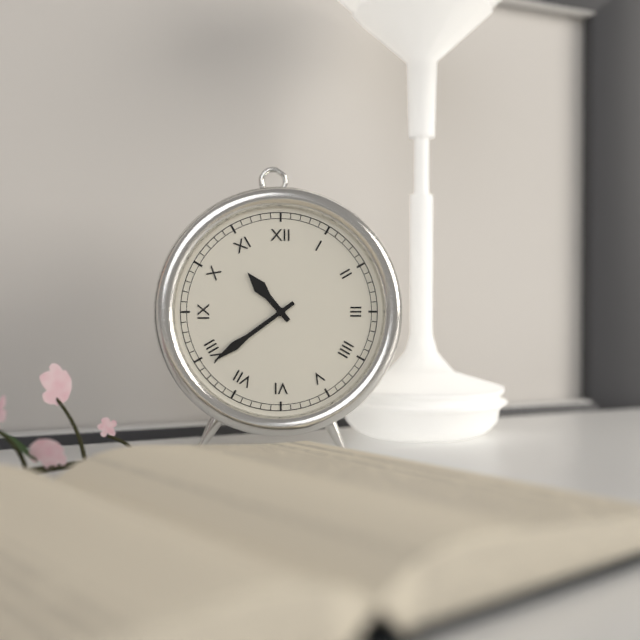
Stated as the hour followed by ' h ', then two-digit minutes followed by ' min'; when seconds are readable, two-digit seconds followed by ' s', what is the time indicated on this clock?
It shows 10 h 39 min
